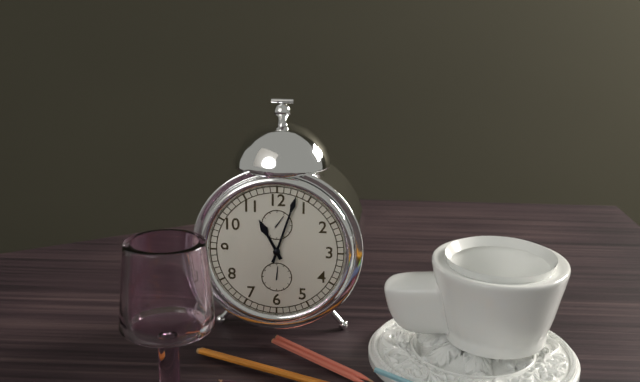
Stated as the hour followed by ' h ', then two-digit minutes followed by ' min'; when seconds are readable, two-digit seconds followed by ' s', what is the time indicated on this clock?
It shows 11 h 03 min
